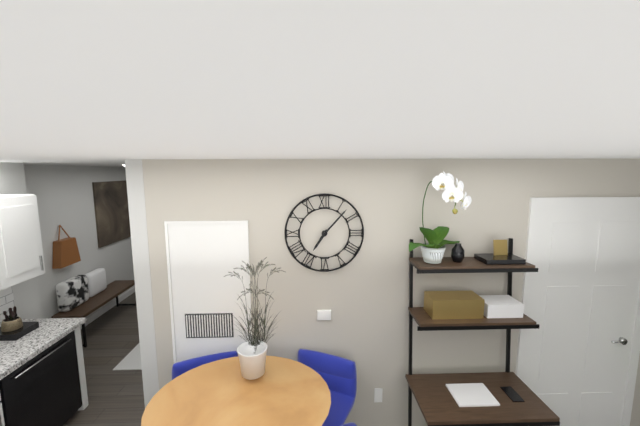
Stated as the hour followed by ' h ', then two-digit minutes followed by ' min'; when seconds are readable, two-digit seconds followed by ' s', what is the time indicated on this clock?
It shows 7 h 07 min
